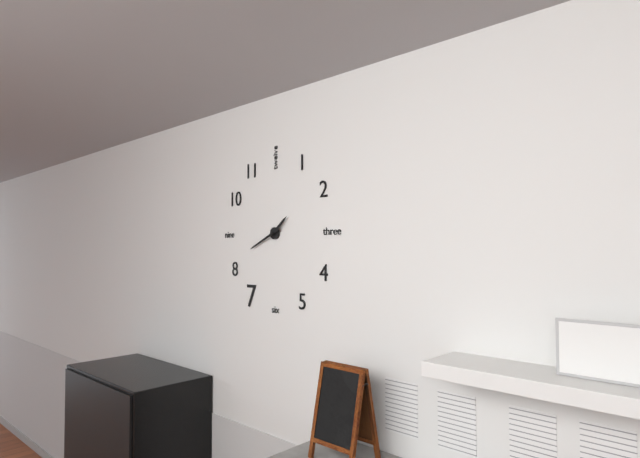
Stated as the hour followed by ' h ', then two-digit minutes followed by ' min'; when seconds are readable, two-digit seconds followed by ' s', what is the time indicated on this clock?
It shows 1 h 41 min
